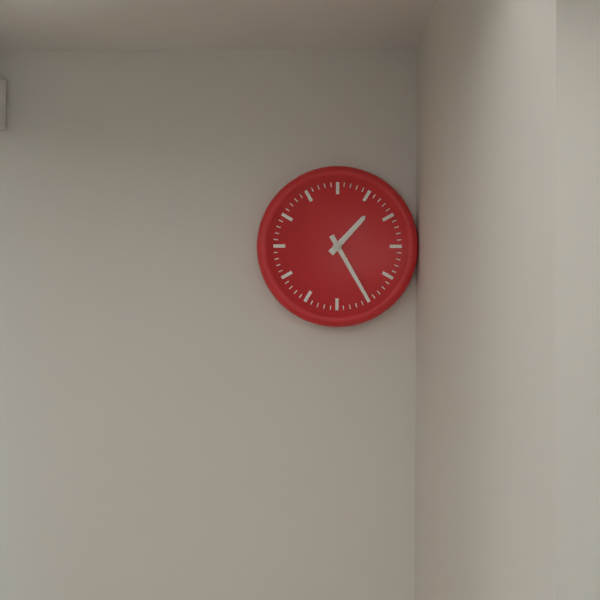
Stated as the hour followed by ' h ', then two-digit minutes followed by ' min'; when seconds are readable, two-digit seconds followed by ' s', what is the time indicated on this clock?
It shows 1 h 25 min
